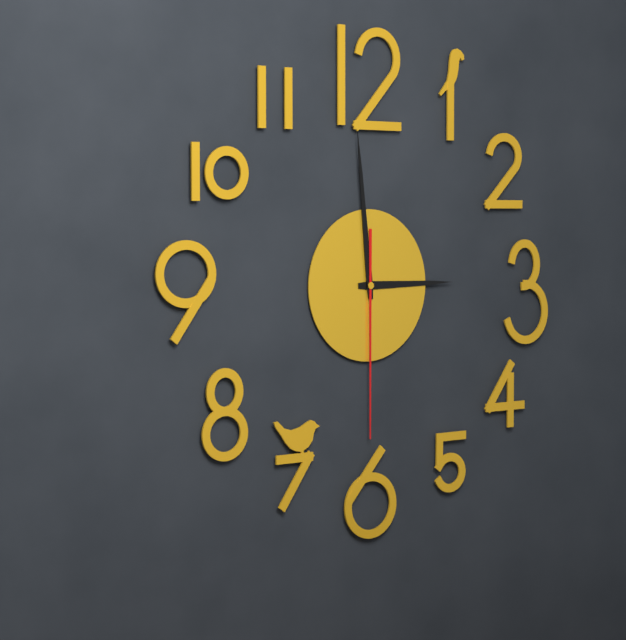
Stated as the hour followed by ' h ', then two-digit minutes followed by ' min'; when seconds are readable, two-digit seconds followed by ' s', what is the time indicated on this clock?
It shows 2 h 59 min 30 s
